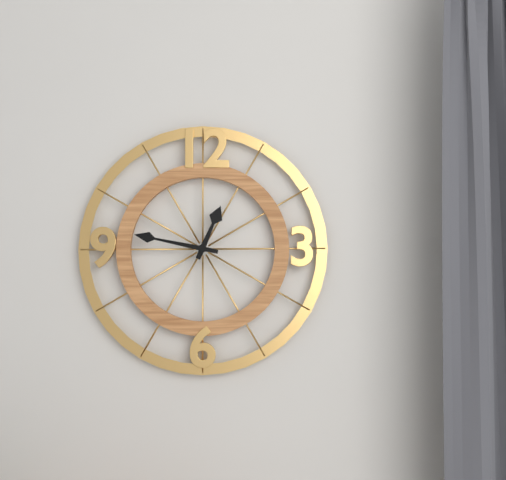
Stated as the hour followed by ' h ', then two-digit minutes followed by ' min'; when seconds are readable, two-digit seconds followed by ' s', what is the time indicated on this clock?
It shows 12 h 47 min
